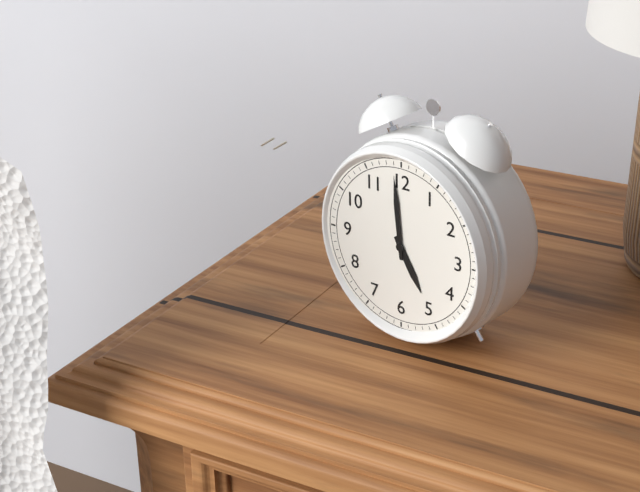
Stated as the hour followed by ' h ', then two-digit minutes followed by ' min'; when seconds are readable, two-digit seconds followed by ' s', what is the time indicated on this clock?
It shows 4 h 59 min
